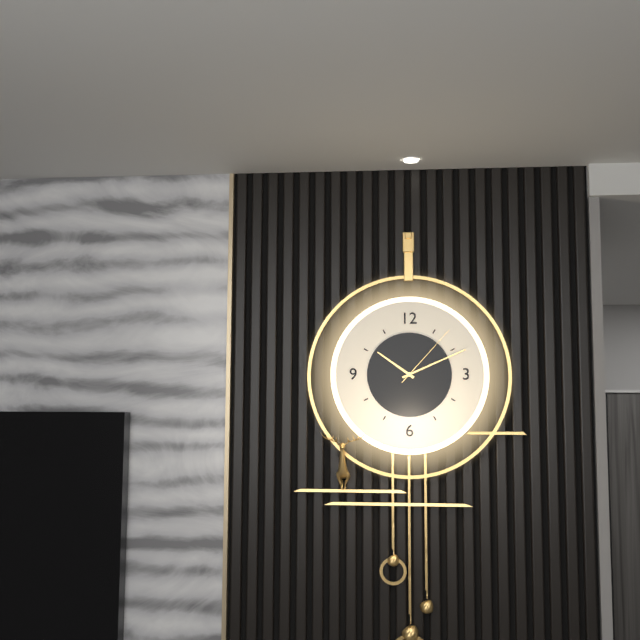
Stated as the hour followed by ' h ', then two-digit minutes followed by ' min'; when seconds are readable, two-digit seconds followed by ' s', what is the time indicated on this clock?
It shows 10 h 11 min 07 s
